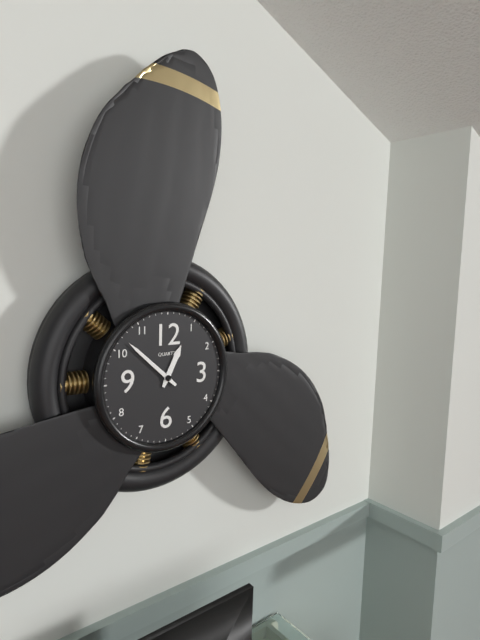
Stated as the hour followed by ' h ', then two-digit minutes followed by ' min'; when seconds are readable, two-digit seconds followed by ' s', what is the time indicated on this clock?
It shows 12 h 52 min
